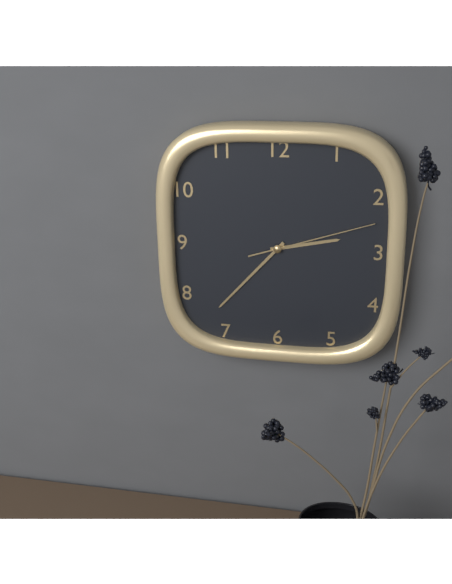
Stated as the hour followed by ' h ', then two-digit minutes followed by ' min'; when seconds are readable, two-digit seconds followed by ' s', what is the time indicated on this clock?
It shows 2 h 37 min 12 s
